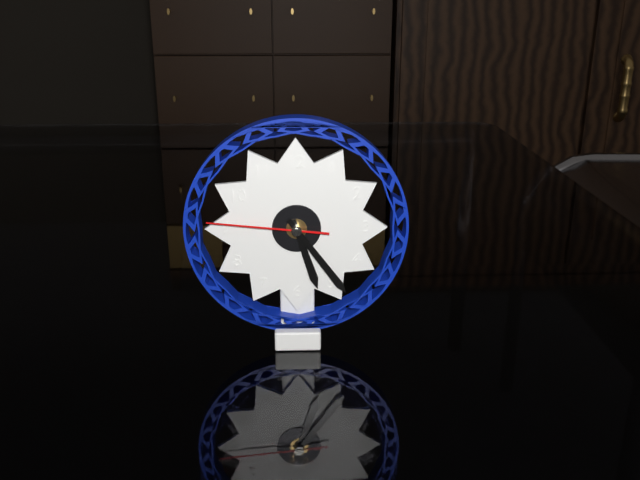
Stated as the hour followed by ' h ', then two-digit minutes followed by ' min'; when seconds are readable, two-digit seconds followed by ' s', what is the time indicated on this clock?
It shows 5 h 24 min 46 s
